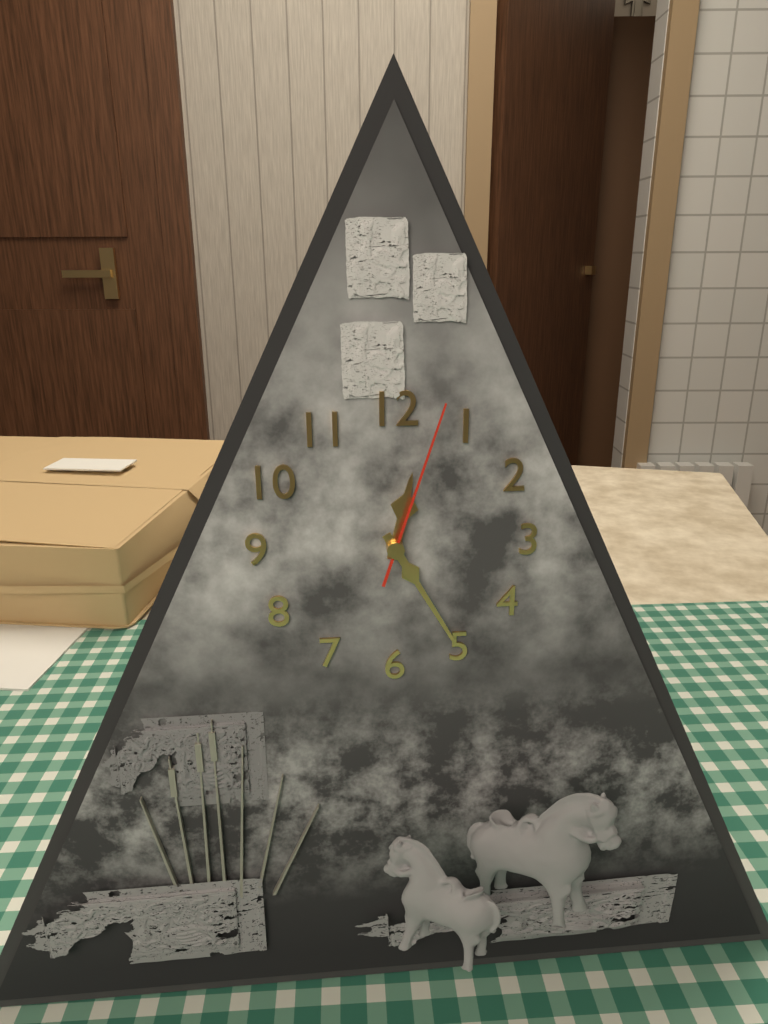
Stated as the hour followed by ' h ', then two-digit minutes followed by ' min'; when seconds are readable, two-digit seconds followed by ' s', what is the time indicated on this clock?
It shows 12 h 25 min 03 s
